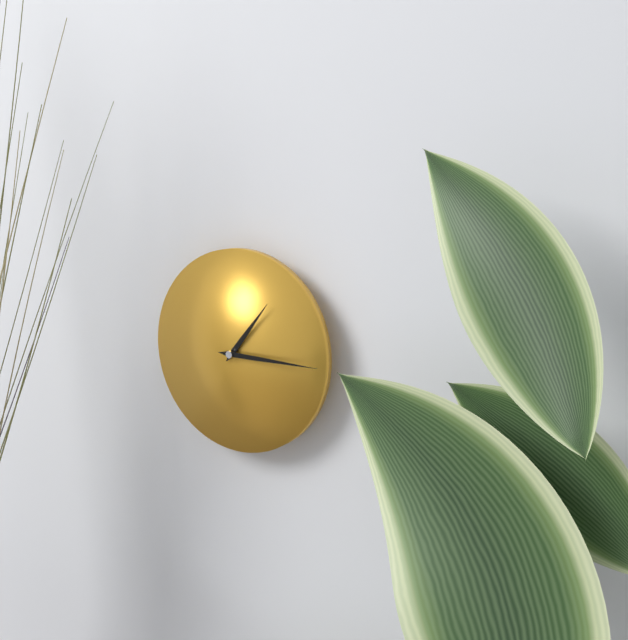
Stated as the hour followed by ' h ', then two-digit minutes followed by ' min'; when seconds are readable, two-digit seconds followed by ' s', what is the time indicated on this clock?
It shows 1 h 15 min
